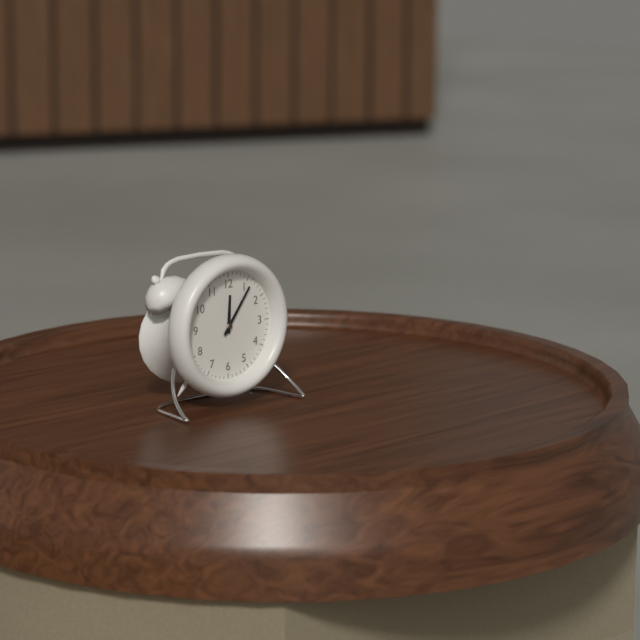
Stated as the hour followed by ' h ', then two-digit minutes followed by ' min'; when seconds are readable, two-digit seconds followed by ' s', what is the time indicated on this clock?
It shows 12 h 06 min
